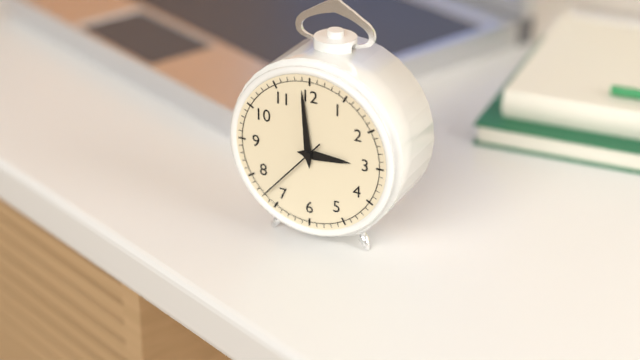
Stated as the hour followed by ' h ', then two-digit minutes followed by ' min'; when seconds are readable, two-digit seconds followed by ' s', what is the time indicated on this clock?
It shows 2 h 59 min 37 s
